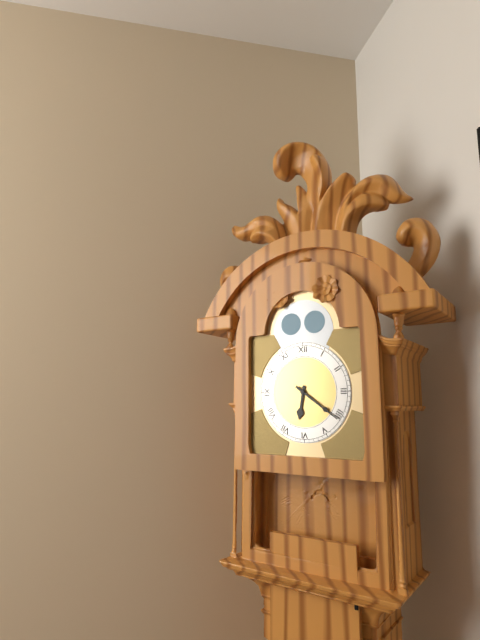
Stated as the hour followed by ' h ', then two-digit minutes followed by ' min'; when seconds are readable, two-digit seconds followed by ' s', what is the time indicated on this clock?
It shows 6 h 21 min
